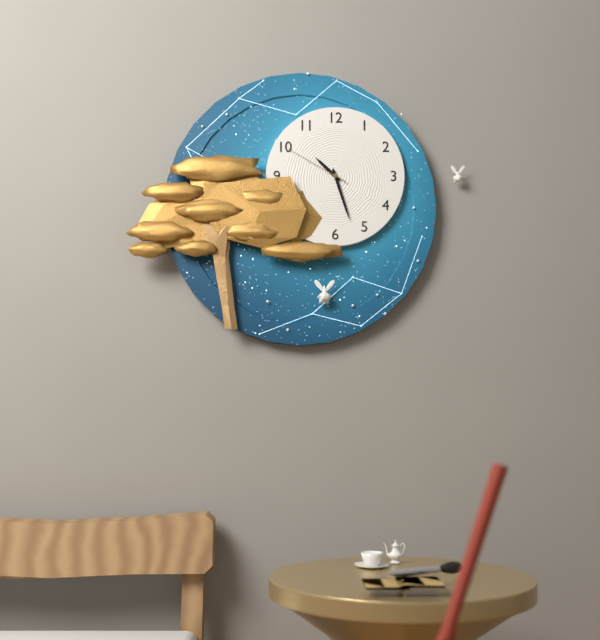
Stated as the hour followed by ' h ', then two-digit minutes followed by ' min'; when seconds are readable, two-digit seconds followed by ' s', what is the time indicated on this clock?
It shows 10 h 27 min 50 s
